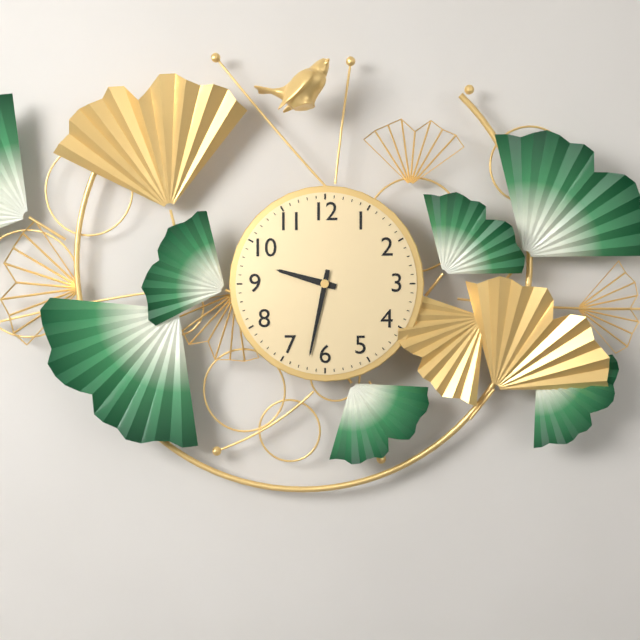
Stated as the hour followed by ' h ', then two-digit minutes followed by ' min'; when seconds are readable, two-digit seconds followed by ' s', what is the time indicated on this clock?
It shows 9 h 32 min
